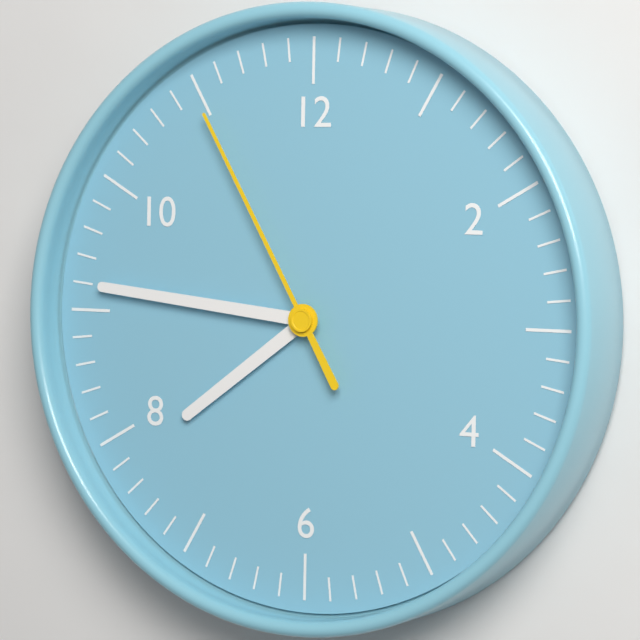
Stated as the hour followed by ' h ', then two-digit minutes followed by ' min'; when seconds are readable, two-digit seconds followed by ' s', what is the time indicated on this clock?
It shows 7 h 46 min 55 s
